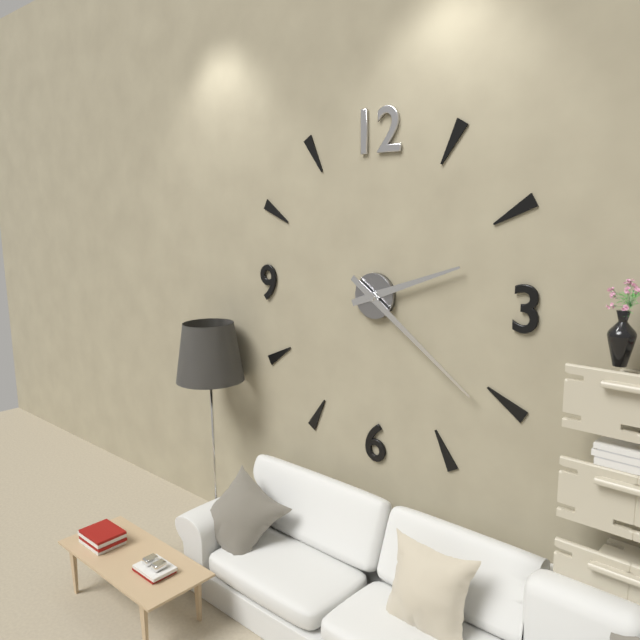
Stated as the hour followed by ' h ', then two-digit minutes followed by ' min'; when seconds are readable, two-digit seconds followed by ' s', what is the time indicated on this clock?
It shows 2 h 21 min
